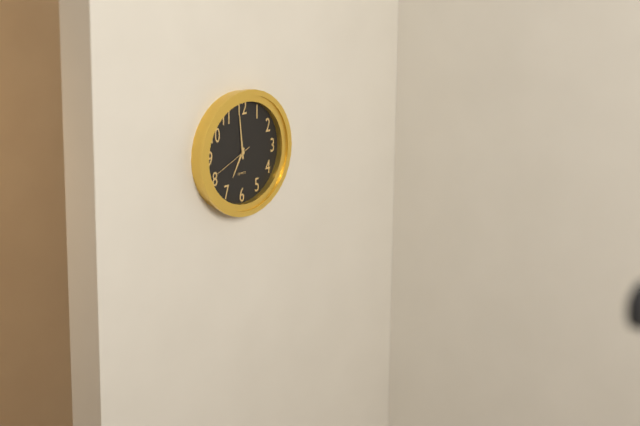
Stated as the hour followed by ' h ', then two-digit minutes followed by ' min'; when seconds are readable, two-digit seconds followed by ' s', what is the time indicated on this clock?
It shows 6 h 59 min
